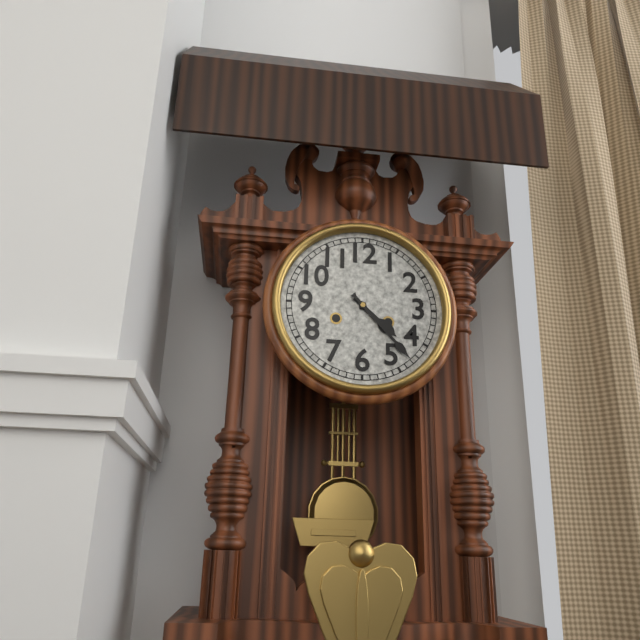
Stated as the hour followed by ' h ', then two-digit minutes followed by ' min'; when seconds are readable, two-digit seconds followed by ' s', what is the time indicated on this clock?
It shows 4 h 23 min
